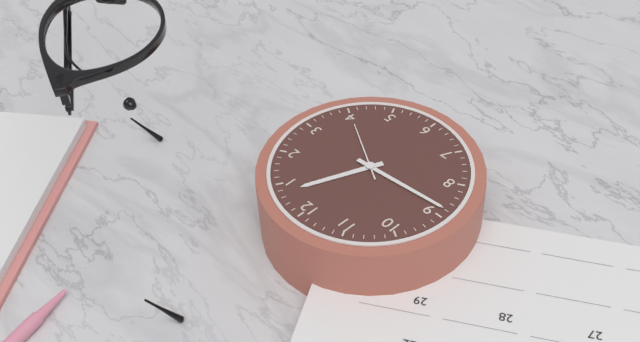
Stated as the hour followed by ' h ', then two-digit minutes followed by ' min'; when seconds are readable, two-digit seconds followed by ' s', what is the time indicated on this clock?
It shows 12 h 44 min 20 s
